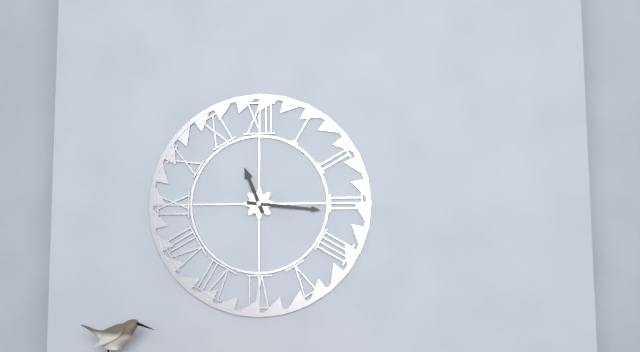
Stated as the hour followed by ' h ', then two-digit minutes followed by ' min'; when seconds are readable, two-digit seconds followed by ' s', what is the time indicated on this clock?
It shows 11 h 16 min
